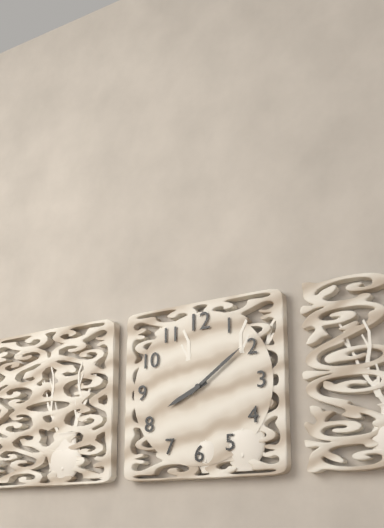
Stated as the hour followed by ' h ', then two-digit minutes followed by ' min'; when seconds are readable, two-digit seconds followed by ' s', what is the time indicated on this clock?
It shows 8 h 09 min
